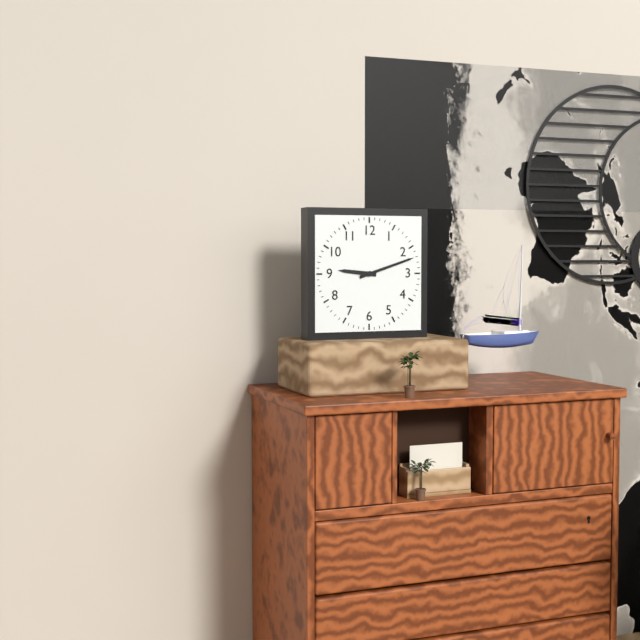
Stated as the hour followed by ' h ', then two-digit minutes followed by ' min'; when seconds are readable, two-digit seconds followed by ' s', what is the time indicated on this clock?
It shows 9 h 12 min
